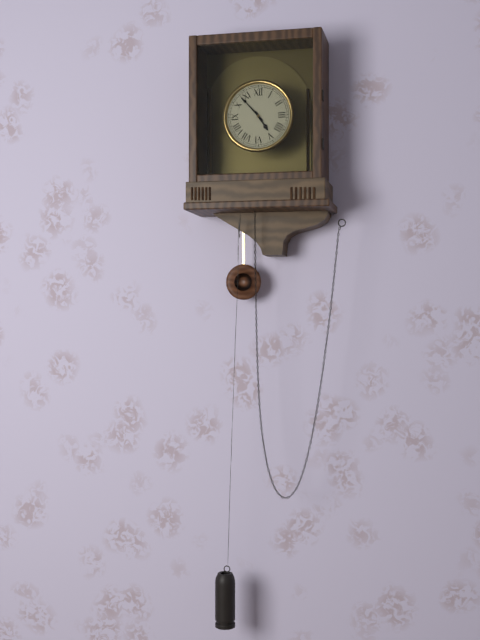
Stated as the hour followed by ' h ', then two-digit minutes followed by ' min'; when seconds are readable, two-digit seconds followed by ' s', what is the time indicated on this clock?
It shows 4 h 53 min
